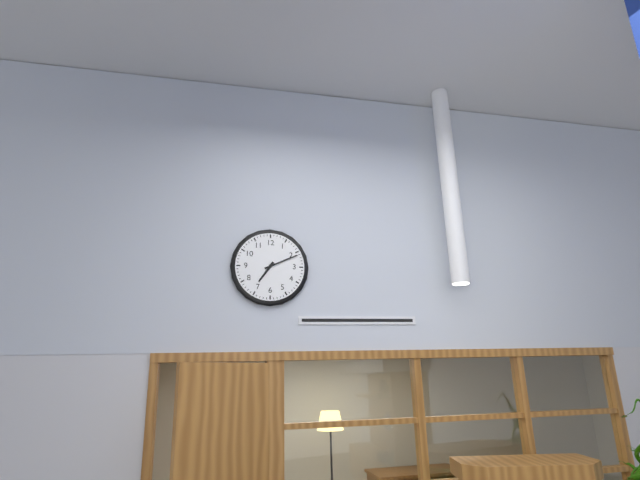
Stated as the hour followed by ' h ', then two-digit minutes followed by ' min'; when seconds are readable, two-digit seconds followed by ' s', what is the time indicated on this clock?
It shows 7 h 11 min
